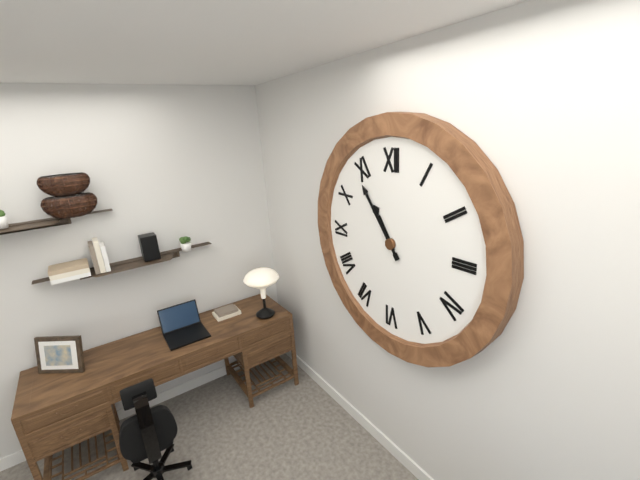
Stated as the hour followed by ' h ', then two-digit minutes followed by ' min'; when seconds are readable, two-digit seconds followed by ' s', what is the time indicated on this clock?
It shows 10 h 54 min
